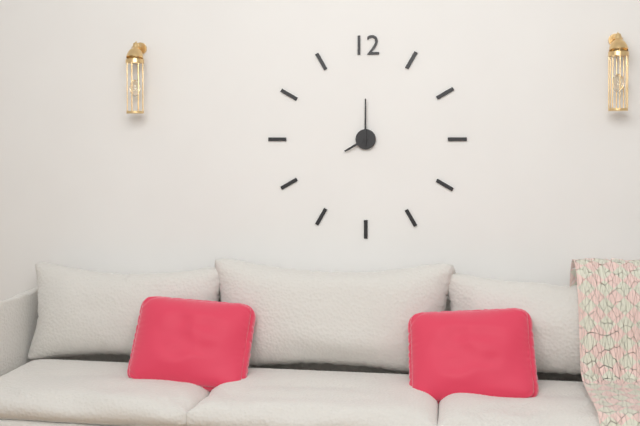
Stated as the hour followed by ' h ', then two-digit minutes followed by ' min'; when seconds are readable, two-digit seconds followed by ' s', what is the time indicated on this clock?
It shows 8 h 00 min
